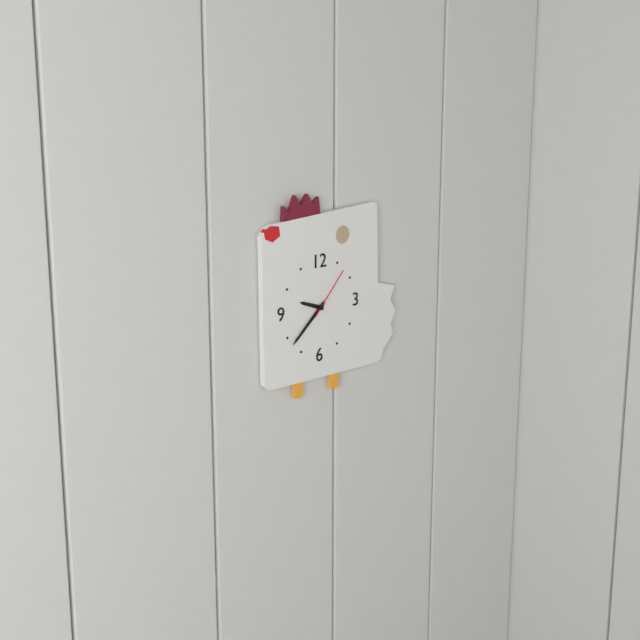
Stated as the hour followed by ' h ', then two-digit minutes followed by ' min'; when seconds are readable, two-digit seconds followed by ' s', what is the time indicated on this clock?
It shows 9 h 38 min 07 s
